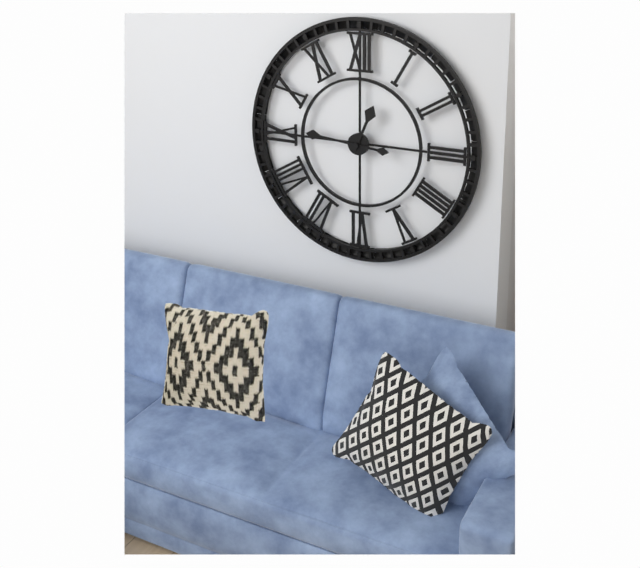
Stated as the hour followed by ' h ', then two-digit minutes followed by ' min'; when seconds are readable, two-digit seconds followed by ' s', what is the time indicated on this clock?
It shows 12 h 46 min
